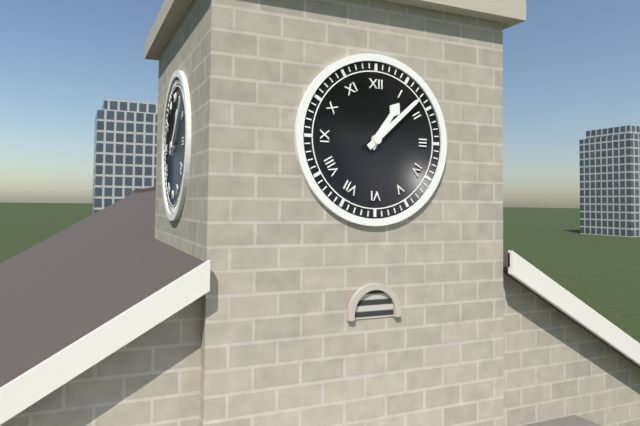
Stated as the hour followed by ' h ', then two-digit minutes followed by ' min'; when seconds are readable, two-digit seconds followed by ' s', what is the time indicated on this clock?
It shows 1 h 08 min
